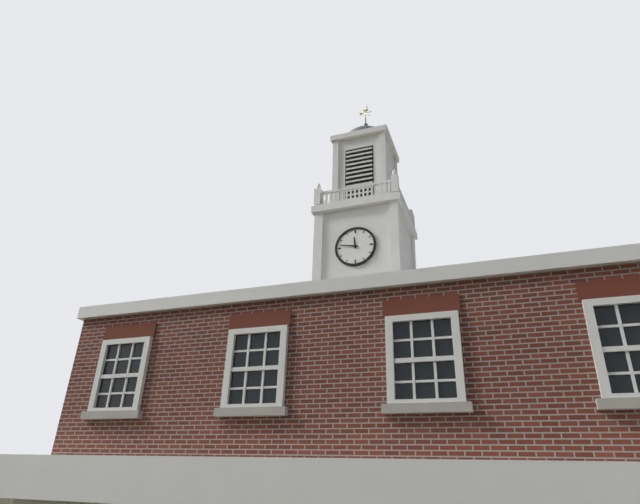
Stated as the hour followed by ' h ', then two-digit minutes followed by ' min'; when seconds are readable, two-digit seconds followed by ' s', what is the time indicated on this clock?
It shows 11 h 47 min
